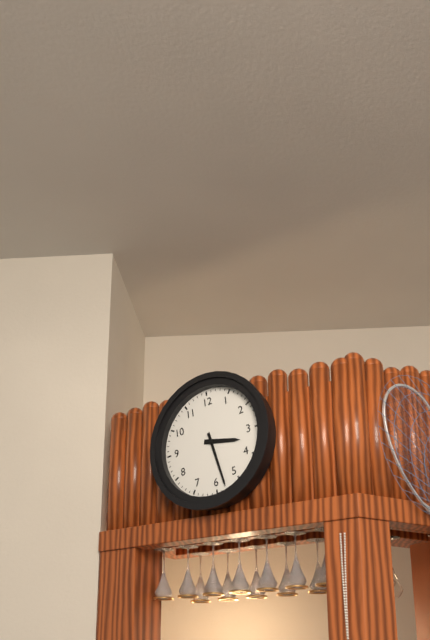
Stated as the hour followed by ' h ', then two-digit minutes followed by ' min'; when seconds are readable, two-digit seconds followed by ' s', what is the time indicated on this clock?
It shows 3 h 28 min
